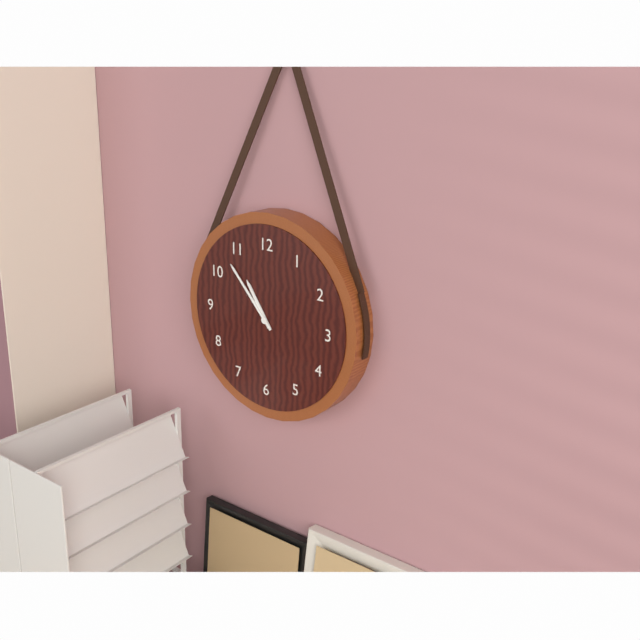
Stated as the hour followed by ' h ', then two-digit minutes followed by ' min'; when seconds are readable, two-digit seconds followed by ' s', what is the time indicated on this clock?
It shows 10 h 53 min
